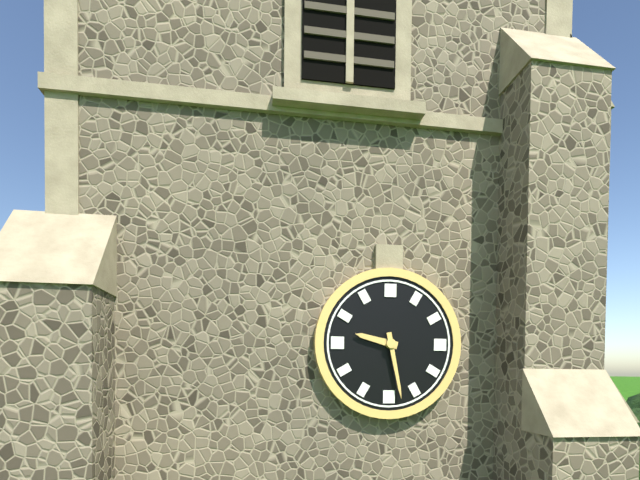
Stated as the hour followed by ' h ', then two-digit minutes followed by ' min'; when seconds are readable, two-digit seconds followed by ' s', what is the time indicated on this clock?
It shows 9 h 28 min
